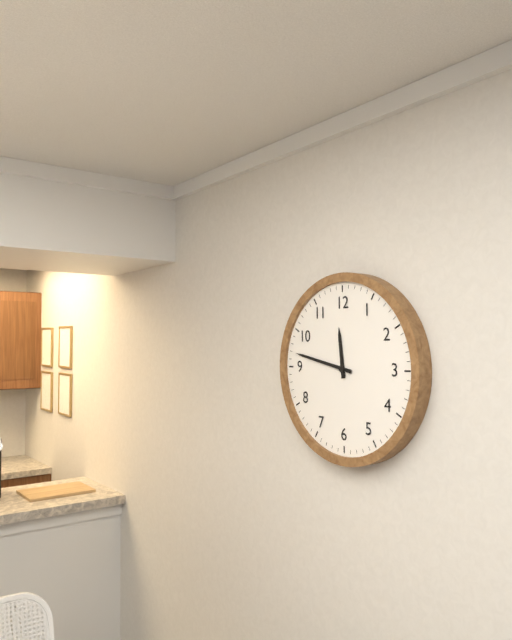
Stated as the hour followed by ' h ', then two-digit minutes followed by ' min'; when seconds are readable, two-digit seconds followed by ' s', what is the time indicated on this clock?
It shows 11 h 47 min
